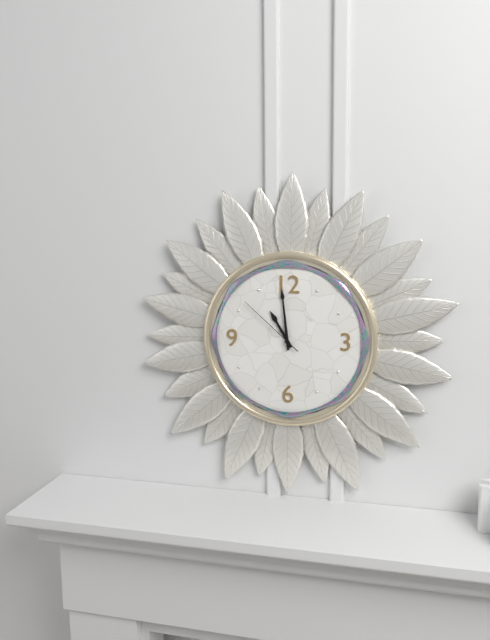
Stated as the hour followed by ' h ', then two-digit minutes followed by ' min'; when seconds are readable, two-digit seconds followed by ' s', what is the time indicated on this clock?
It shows 10 h 59 min 52 s
